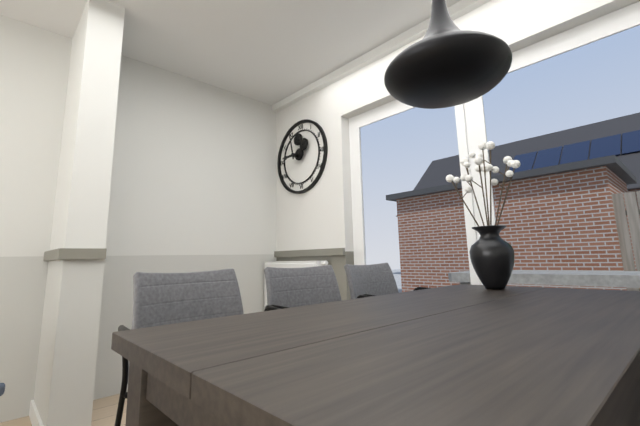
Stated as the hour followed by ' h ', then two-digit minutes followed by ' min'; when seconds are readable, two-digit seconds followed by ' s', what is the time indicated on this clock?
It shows 8 h 58 min
